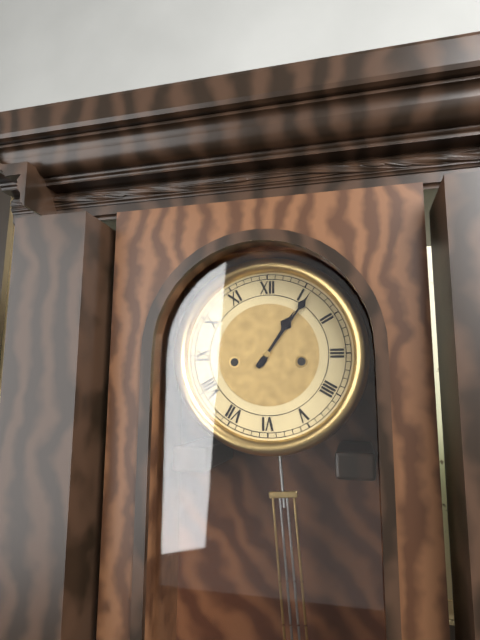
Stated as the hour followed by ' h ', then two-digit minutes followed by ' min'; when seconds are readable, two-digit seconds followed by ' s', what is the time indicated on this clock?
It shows 1 h 06 min
